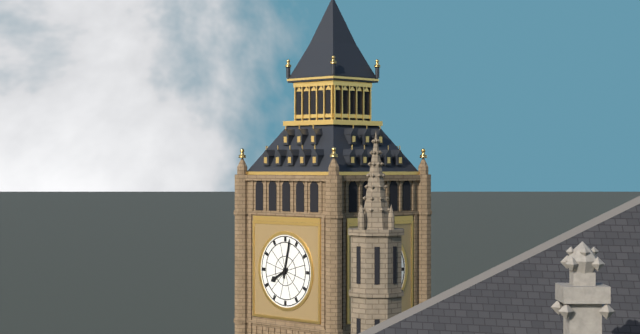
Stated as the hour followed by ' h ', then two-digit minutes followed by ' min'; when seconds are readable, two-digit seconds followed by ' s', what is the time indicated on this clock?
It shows 8 h 02 min
